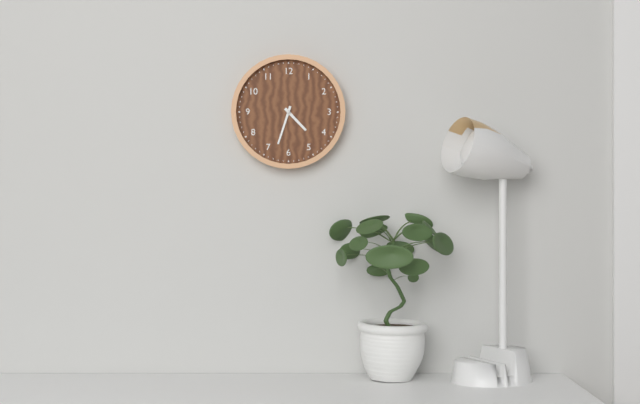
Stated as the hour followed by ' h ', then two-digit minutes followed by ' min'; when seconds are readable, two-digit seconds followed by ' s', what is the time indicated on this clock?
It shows 4 h 33 min
